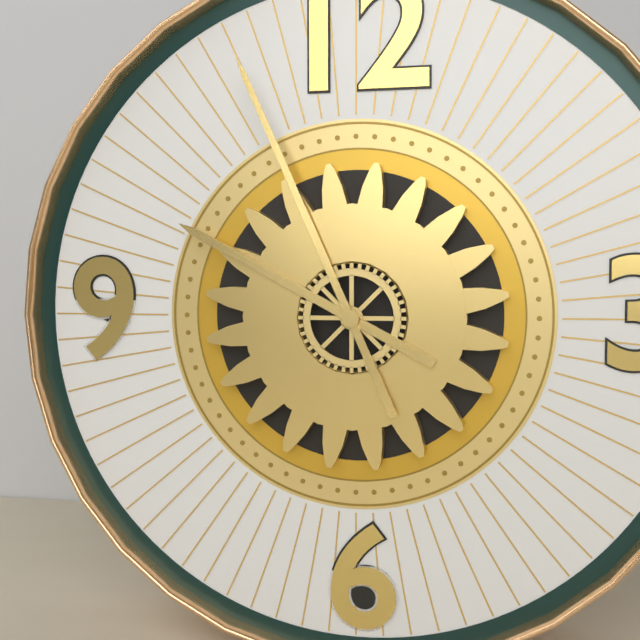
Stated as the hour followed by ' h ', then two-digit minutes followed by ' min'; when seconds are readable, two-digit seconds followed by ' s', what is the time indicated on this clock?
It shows 9 h 56 min
